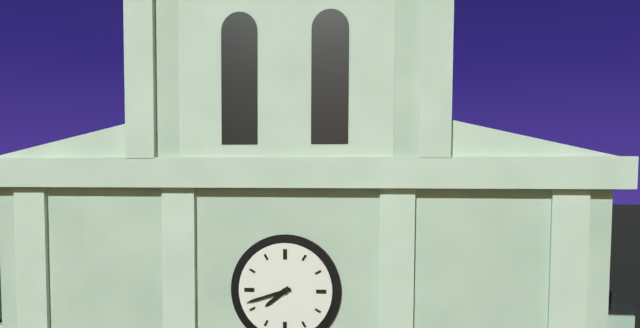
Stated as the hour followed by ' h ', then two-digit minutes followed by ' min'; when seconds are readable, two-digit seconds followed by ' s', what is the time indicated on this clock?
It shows 7 h 42 min
